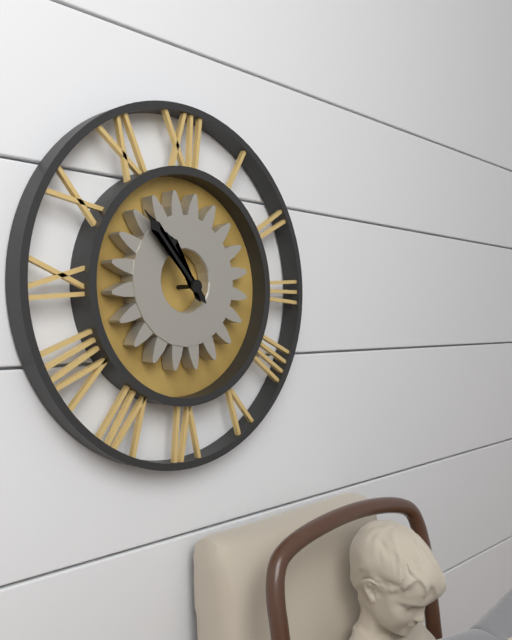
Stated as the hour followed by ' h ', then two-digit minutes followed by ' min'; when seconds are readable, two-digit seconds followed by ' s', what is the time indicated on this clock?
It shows 10 h 53 min
